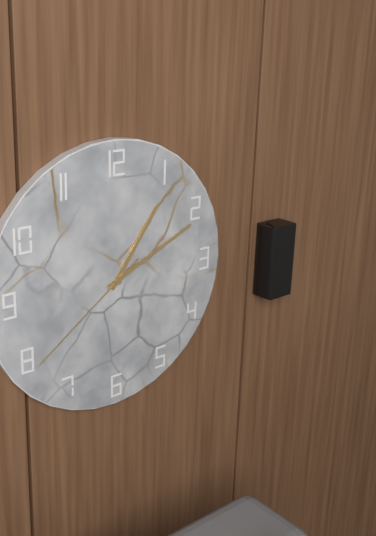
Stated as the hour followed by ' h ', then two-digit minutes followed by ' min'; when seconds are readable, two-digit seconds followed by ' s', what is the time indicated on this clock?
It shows 1 h 11 min 39 s
